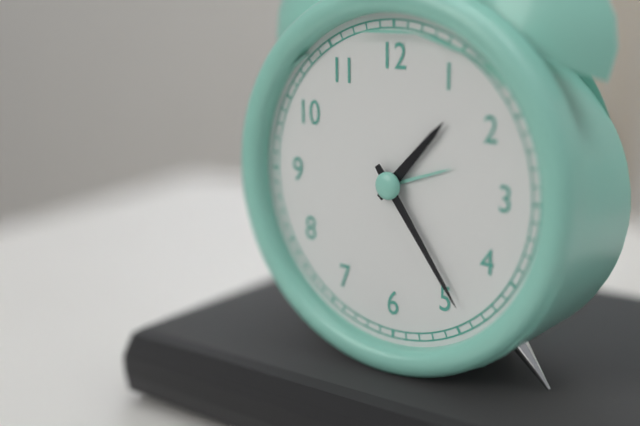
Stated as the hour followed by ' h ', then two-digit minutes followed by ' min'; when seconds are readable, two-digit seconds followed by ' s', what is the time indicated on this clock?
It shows 1 h 24 min
